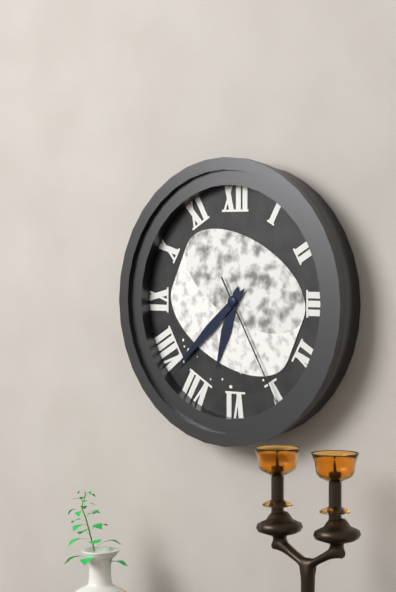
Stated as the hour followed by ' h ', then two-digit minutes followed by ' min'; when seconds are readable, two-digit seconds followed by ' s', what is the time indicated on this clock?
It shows 6 h 38 min 25 s
